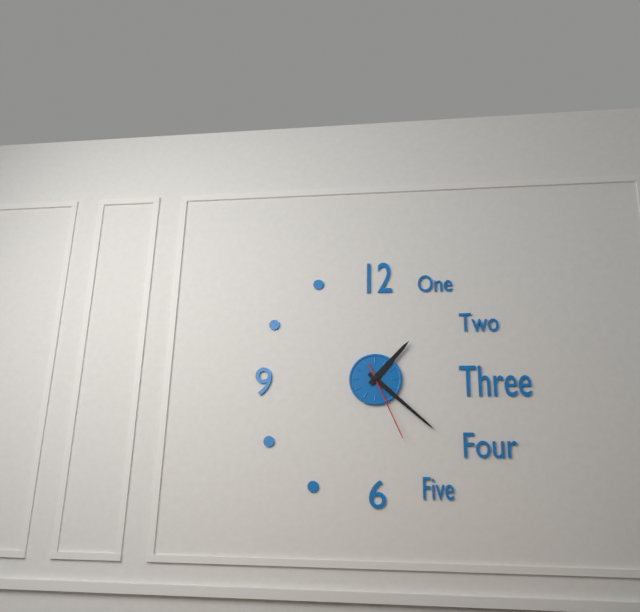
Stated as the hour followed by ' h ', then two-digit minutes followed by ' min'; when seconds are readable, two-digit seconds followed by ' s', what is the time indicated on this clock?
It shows 1 h 22 min 26 s
